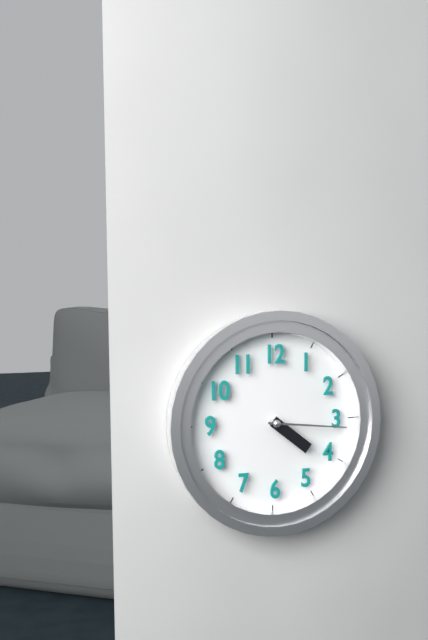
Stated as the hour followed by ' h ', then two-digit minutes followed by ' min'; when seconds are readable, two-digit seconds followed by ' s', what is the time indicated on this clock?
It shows 4 h 16 min
